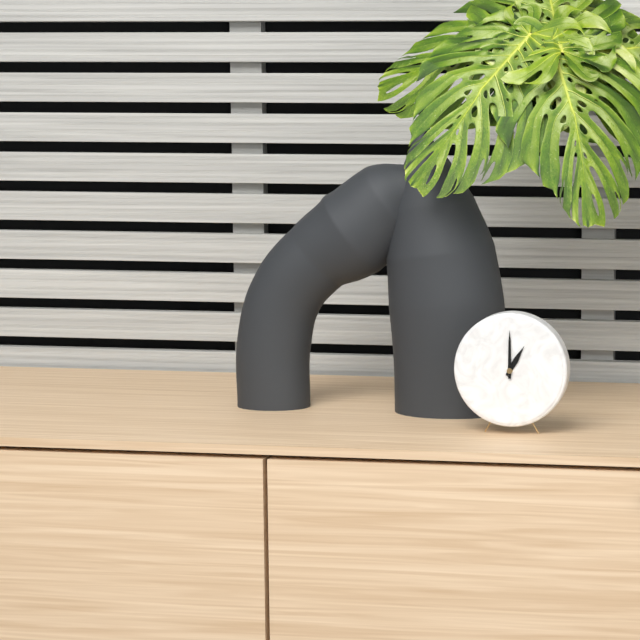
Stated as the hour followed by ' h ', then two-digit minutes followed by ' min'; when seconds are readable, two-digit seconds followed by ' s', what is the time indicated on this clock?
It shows 1 h 00 min
